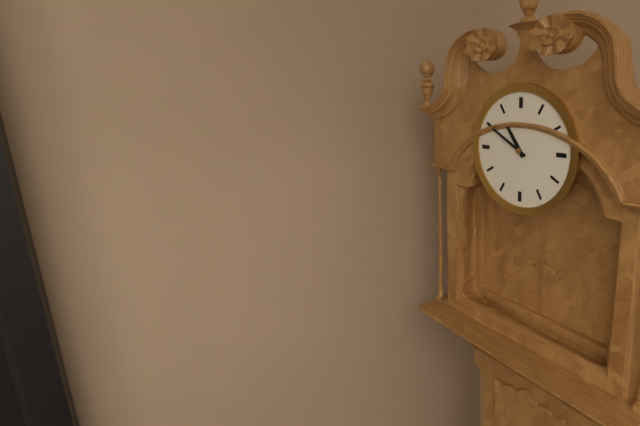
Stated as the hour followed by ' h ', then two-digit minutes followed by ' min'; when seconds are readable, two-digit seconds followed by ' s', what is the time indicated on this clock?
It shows 10 h 50 min
